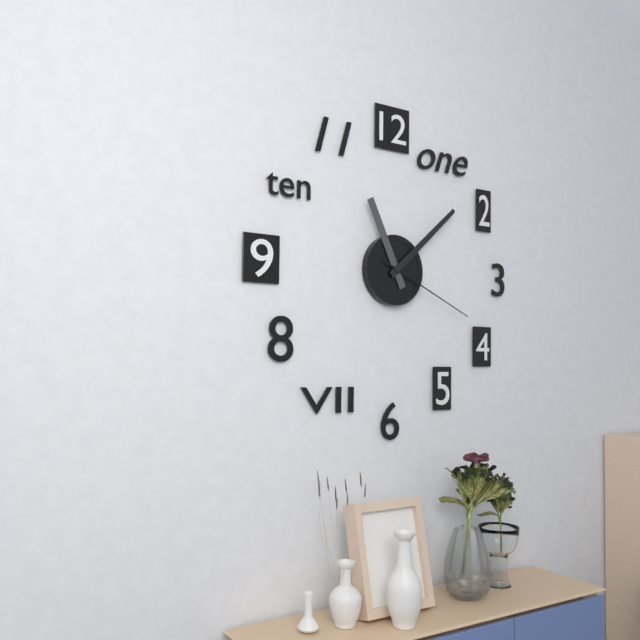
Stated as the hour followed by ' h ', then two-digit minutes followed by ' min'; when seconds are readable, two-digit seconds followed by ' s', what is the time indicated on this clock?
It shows 11 h 08 min 19 s
